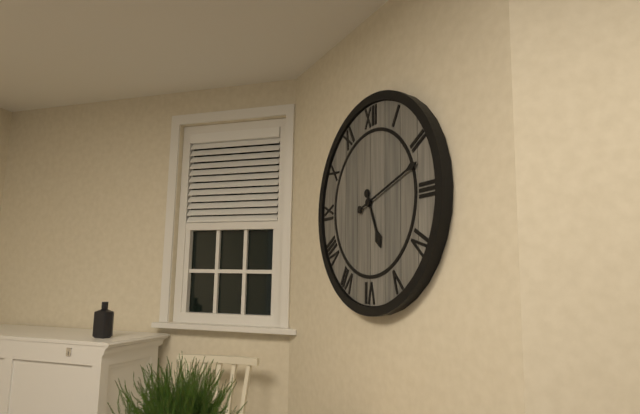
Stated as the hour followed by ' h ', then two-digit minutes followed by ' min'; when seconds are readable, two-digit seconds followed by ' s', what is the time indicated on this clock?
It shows 5 h 12 min
